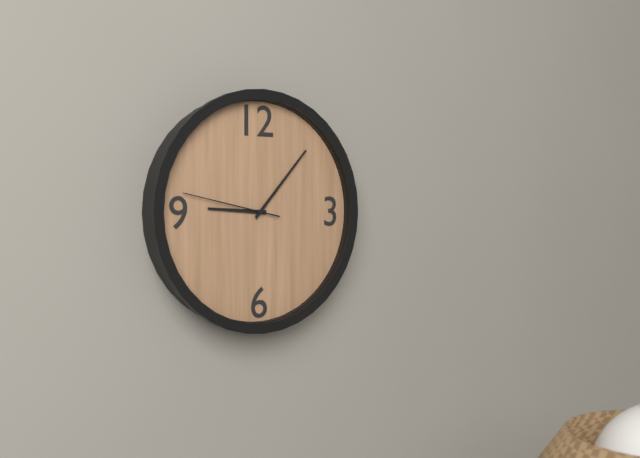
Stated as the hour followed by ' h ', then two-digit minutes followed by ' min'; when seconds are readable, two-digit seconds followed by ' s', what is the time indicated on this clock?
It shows 9 h 07 min 47 s
